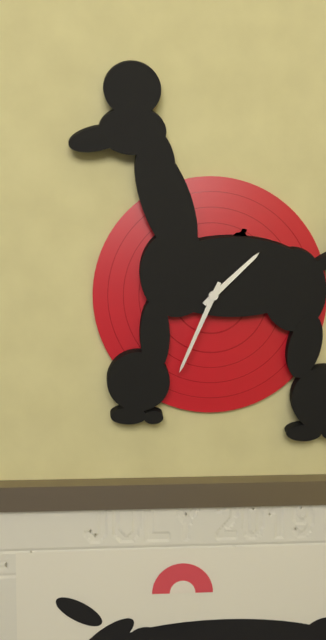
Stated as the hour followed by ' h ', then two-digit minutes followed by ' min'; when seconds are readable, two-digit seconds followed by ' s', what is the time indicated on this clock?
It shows 1 h 34 min
